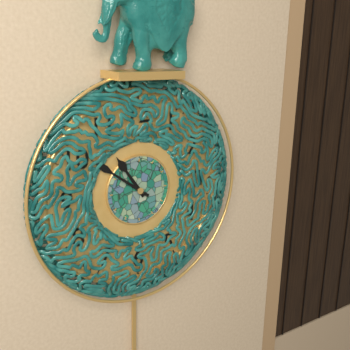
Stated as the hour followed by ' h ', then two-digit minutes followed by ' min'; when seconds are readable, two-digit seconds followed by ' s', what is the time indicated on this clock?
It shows 10 h 51 min
